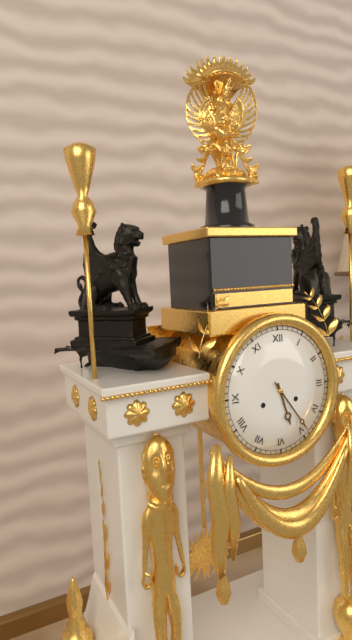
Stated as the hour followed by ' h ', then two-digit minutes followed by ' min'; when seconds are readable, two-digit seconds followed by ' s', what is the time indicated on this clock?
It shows 5 h 24 min
